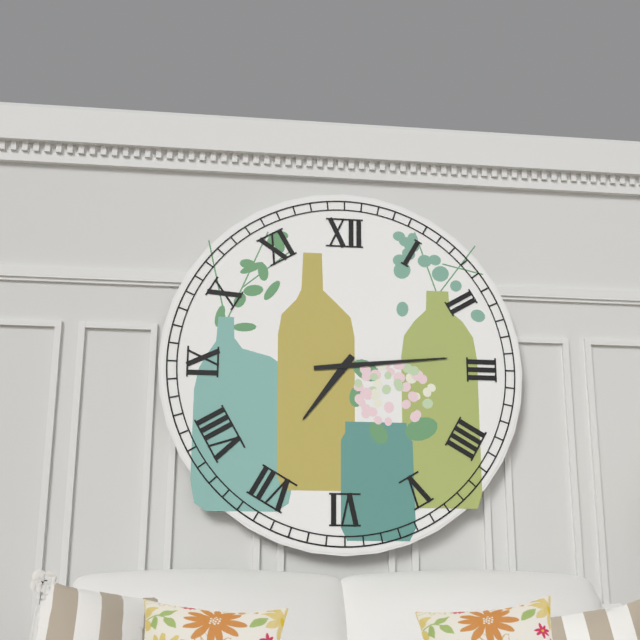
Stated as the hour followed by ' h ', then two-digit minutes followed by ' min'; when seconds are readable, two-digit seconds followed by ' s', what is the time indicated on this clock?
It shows 7 h 14 min
